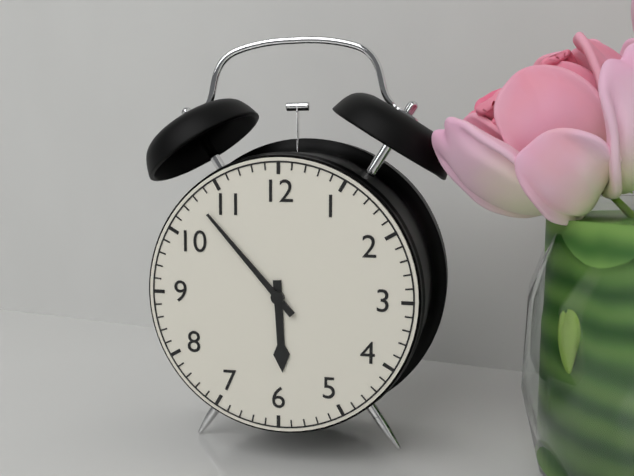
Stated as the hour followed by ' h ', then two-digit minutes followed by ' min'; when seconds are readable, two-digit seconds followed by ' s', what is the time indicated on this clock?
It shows 5 h 53 min
